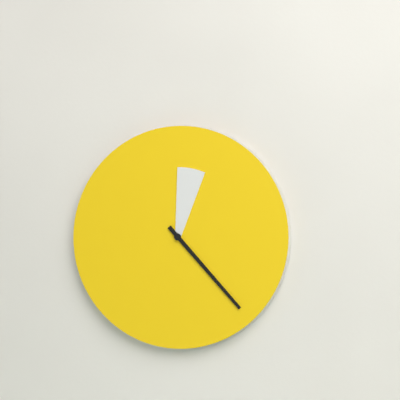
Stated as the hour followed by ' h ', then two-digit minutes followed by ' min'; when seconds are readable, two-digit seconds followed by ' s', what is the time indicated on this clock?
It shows 12 h 23 min
